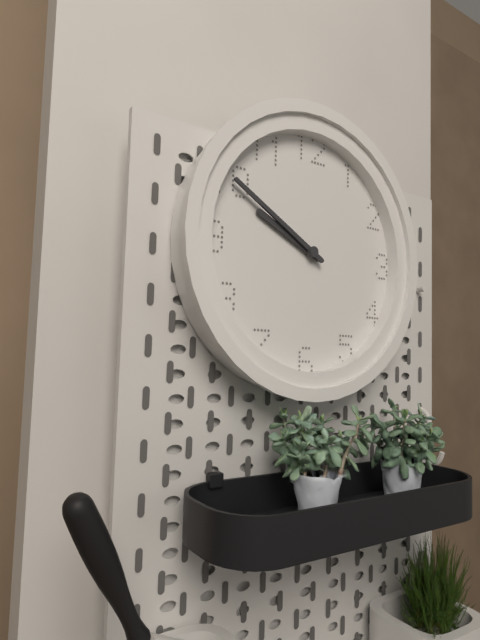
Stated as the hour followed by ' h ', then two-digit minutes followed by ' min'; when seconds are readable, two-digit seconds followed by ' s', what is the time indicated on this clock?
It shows 9 h 50 min
